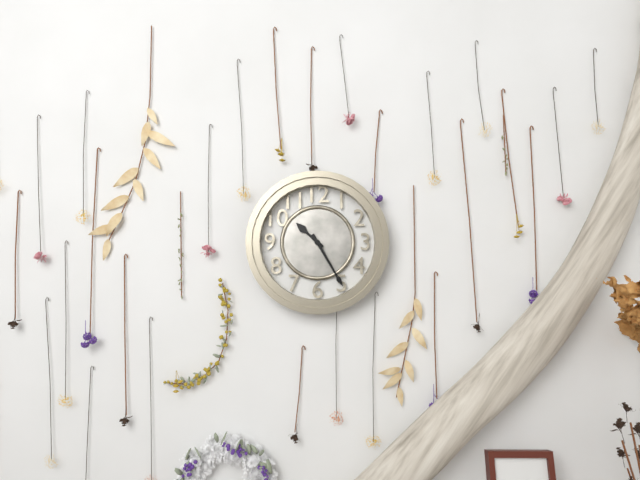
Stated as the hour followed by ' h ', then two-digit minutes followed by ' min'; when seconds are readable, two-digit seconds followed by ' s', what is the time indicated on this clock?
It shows 10 h 25 min
